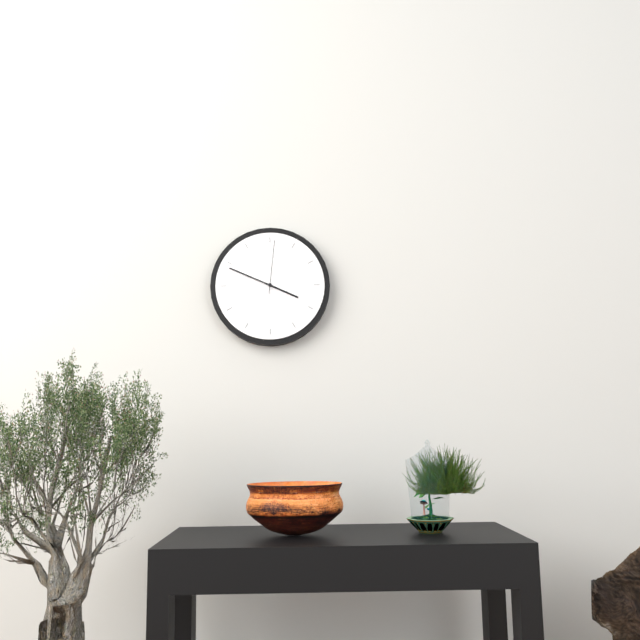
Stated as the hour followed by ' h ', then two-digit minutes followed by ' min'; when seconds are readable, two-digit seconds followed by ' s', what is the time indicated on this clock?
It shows 3 h 49 min 01 s
